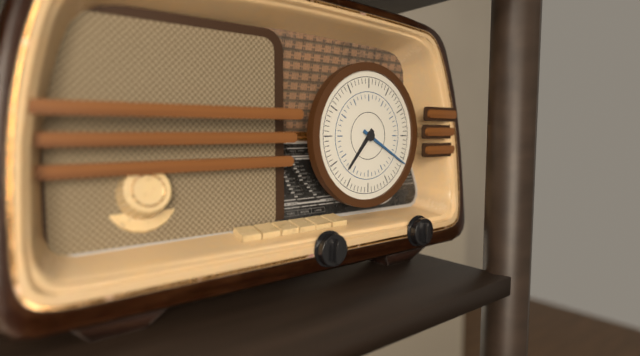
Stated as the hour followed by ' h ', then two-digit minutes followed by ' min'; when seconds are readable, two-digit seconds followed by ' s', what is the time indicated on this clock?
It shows 7 h 20 min
